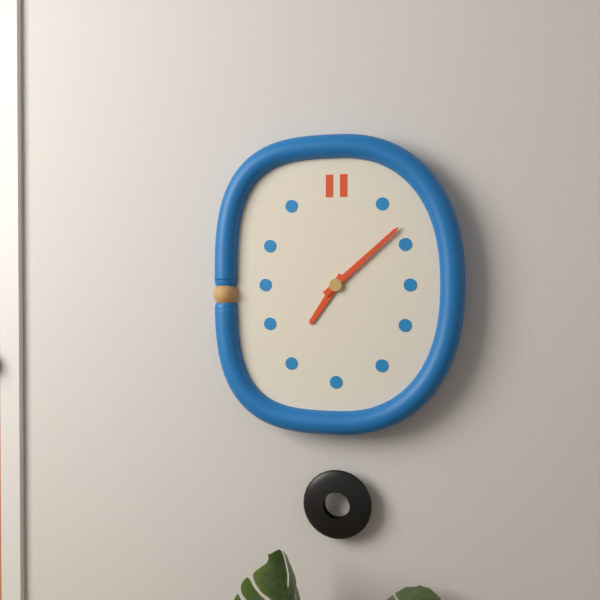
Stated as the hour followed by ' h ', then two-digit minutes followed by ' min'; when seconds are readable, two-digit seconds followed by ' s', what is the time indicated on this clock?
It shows 7 h 08 min
